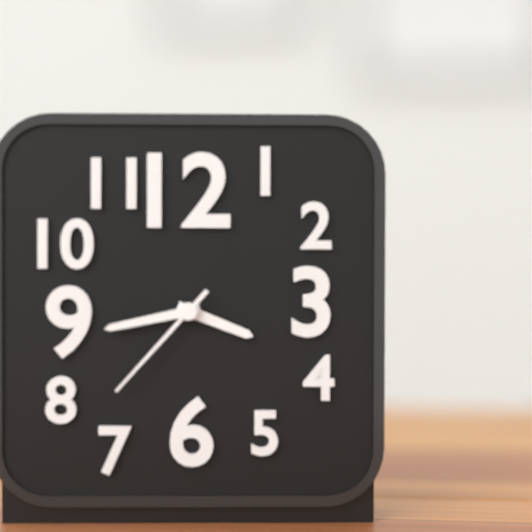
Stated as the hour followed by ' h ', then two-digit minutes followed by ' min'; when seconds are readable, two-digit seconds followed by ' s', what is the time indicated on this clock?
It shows 3 h 43 min 37 s
